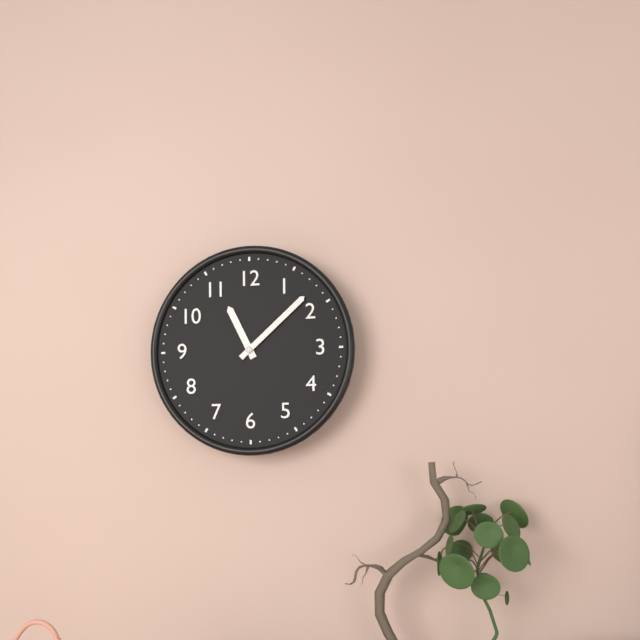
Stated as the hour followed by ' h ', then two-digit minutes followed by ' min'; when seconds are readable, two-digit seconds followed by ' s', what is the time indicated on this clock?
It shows 11 h 08 min
